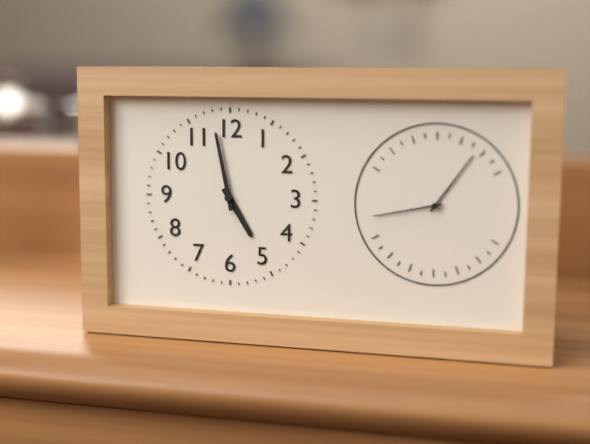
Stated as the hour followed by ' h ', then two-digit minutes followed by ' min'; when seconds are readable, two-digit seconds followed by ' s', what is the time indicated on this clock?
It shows 4 h 58 min
